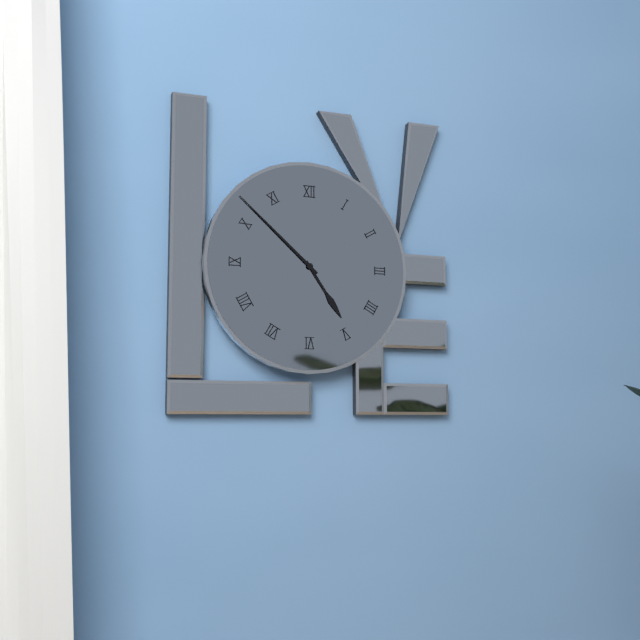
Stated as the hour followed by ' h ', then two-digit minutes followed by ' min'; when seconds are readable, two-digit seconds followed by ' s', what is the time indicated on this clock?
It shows 4 h 52 min
